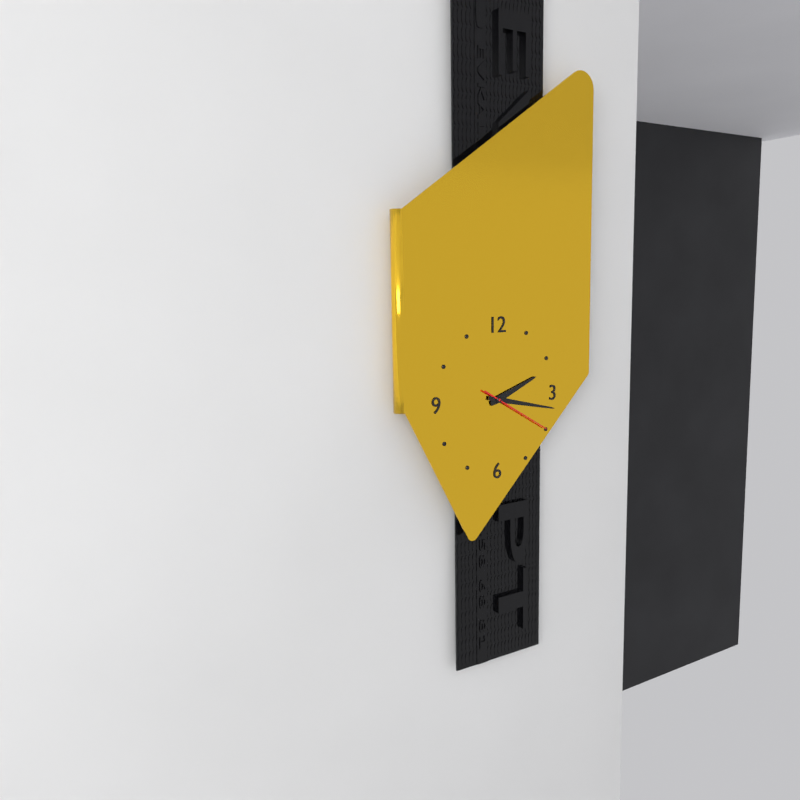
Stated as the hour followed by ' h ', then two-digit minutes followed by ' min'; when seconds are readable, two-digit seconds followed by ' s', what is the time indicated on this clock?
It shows 2 h 17 min 20 s
